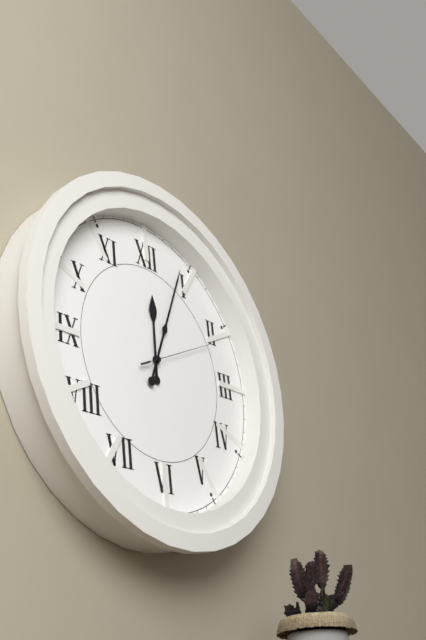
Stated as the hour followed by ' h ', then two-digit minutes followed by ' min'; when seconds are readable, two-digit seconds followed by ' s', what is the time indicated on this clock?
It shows 12 h 04 min 11 s
